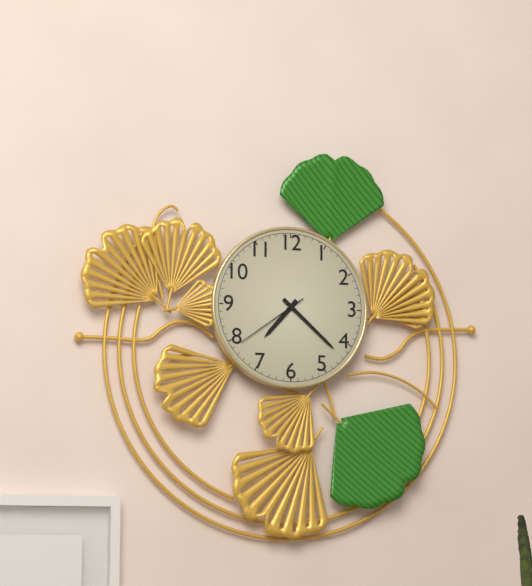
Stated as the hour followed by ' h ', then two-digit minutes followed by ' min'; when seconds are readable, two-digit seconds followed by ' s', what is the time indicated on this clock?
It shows 7 h 22 min 39 s
